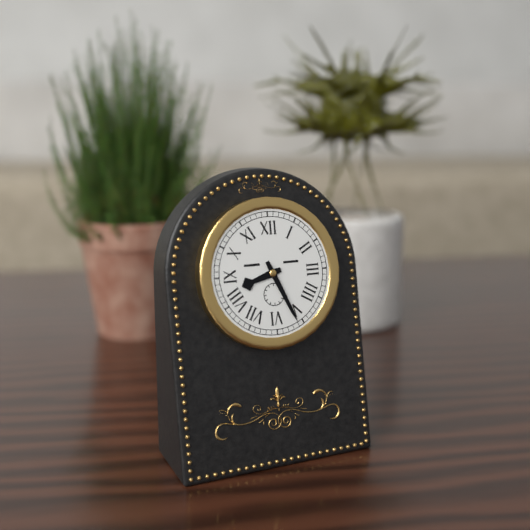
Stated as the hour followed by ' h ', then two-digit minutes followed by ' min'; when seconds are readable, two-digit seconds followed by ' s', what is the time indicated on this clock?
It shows 8 h 26 min
